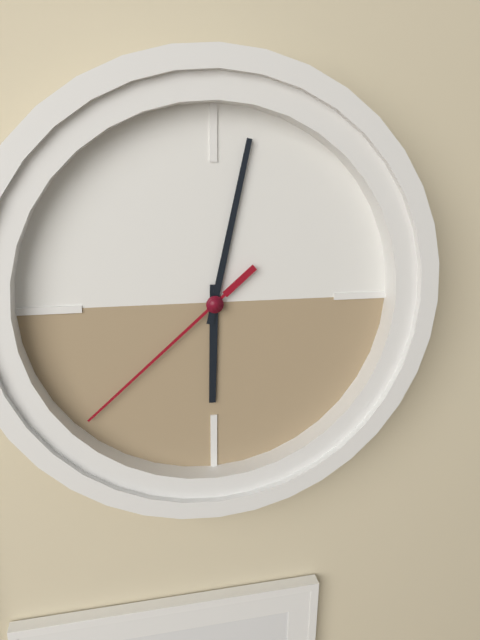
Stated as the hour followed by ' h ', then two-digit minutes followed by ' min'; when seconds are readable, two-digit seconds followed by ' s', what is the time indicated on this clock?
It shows 6 h 02 min 38 s
